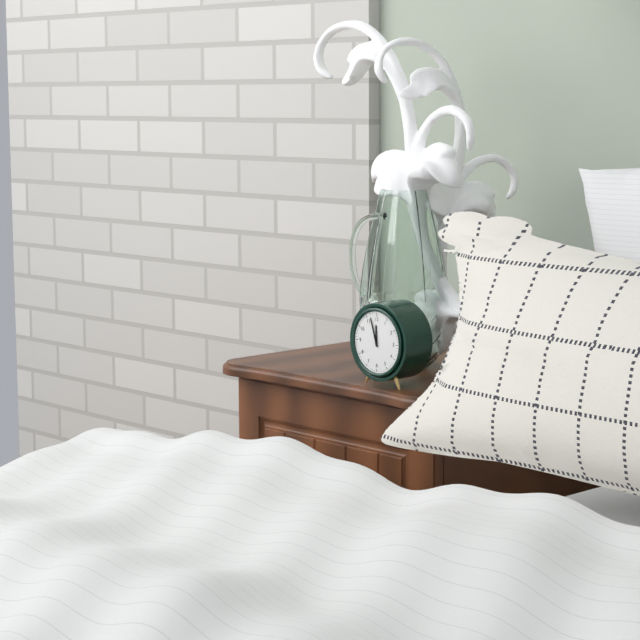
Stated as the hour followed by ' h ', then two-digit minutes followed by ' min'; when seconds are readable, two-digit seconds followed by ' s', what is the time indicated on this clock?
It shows 11 h 57 min
